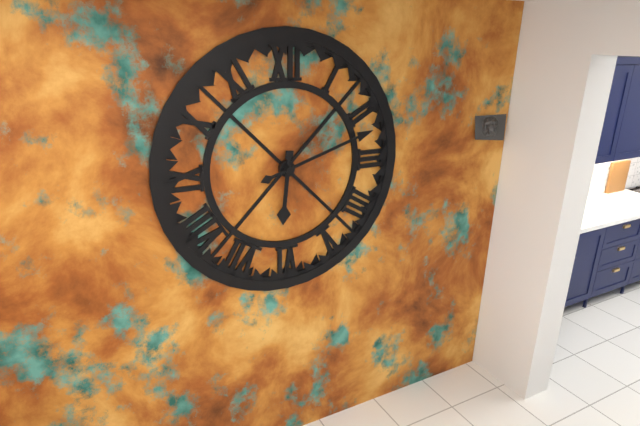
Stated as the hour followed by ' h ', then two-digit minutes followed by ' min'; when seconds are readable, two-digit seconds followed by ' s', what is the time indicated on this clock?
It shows 6 h 12 min
